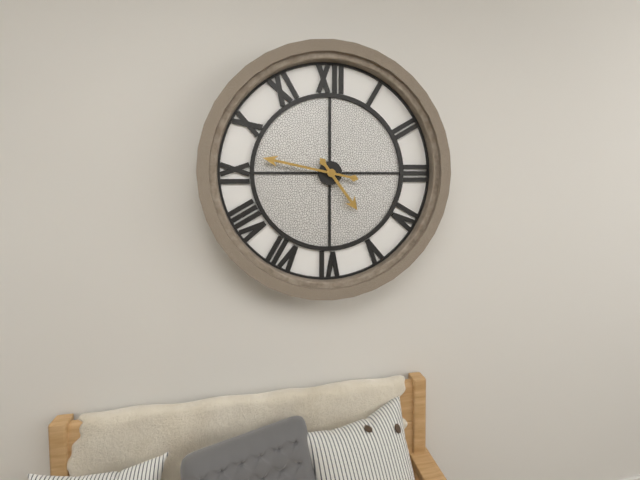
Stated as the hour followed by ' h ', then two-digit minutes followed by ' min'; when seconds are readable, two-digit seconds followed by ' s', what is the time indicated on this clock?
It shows 4 h 47 min
